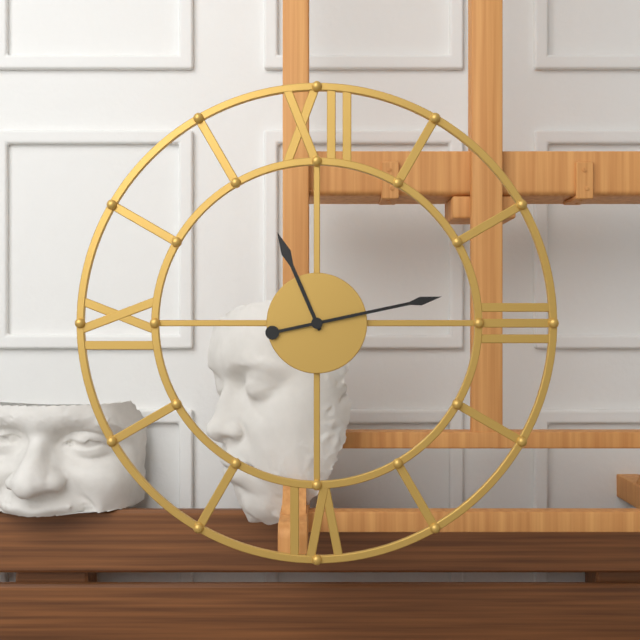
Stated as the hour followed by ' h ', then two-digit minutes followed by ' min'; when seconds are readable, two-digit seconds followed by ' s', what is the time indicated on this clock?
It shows 11 h 13 min
